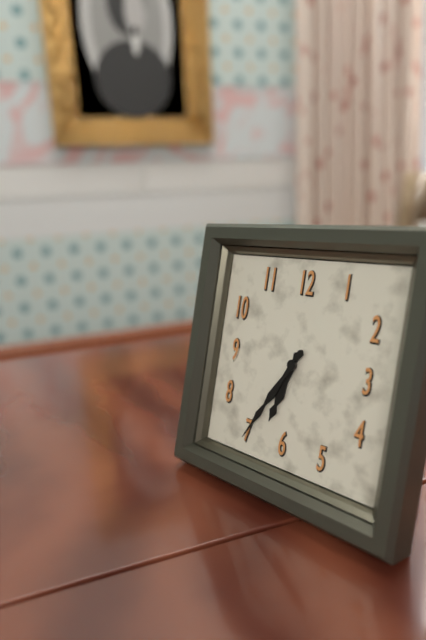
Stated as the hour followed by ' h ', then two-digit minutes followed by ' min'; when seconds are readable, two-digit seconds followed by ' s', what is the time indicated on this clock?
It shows 6 h 35 min
